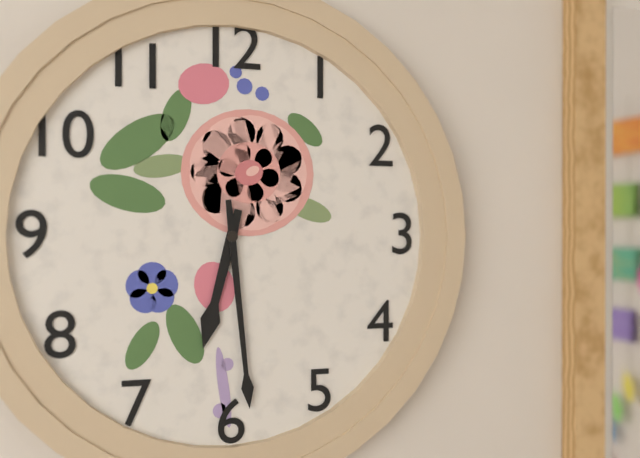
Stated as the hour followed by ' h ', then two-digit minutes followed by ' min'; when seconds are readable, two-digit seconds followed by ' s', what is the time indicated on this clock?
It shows 6 h 29 min
